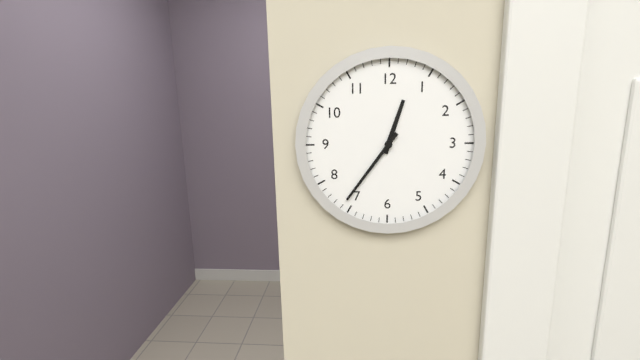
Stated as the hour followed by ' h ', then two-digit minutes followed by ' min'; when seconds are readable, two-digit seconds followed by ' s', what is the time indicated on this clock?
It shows 12 h 36 min
